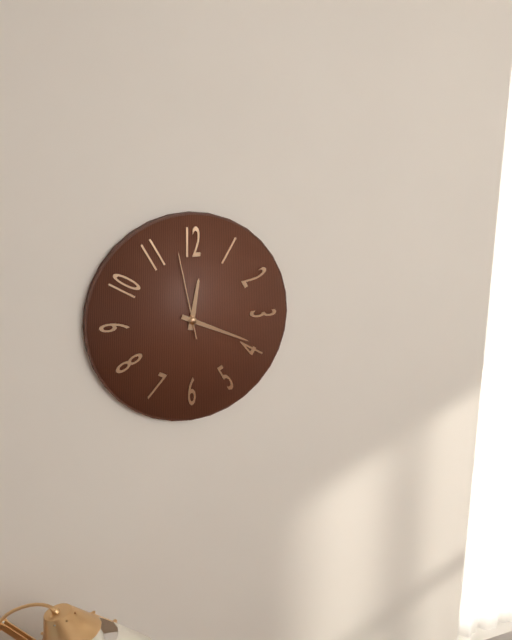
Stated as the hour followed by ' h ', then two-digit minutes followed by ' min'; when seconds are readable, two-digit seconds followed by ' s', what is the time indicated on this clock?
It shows 12 h 19 min 58 s
